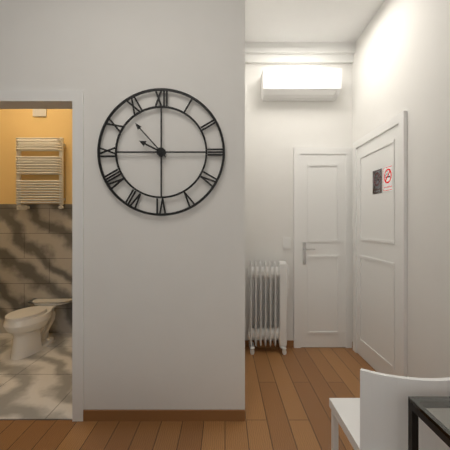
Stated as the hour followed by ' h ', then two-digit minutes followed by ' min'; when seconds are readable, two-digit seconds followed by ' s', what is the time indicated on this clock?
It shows 9 h 53 min
